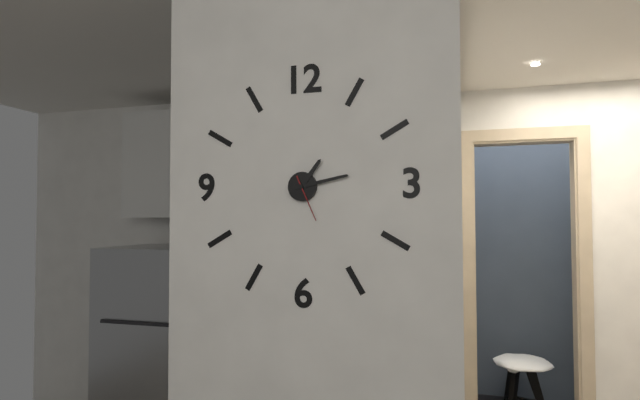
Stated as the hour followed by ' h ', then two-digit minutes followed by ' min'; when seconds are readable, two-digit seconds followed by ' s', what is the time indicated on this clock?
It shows 1 h 13 min
